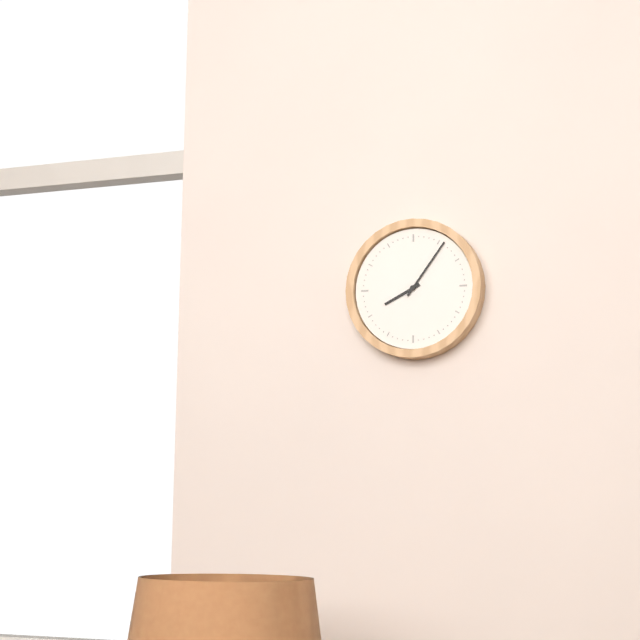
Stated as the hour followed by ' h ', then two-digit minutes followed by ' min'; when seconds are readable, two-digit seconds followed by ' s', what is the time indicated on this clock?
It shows 8 h 06 min
